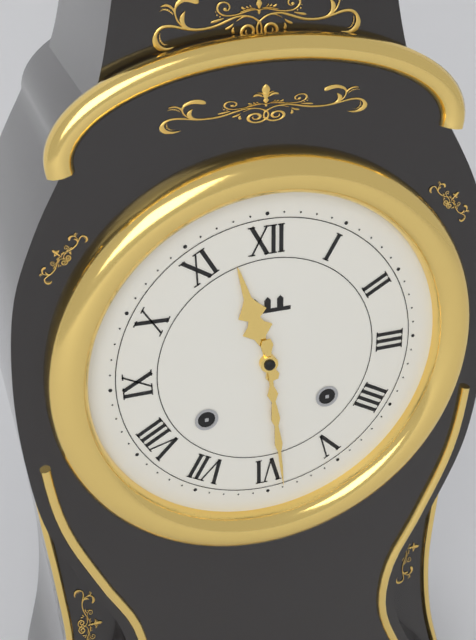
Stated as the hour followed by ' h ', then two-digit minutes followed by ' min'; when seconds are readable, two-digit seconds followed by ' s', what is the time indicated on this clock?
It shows 11 h 29 min
